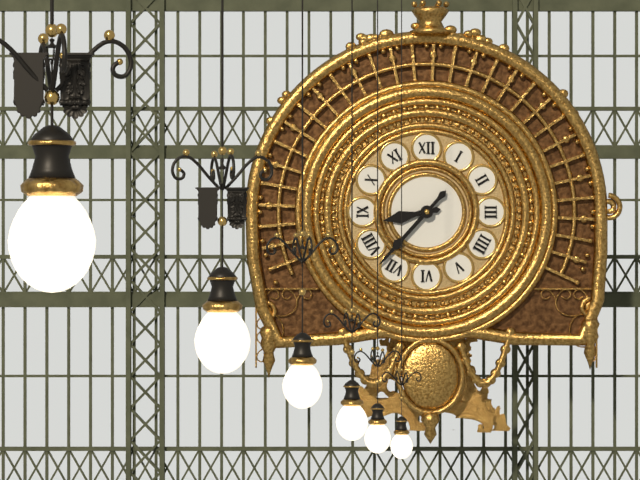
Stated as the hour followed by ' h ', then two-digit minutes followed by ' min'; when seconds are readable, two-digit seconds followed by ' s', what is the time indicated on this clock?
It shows 8 h 37 min
